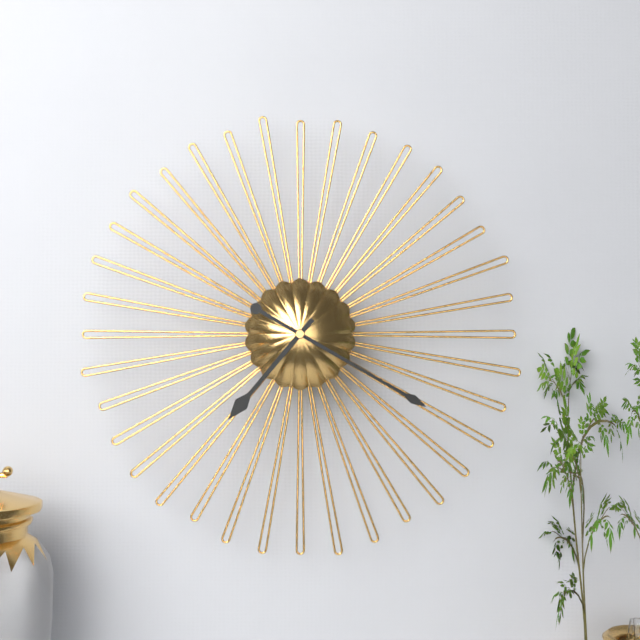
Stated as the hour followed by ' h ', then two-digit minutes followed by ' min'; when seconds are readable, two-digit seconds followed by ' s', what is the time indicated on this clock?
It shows 7 h 20 min
